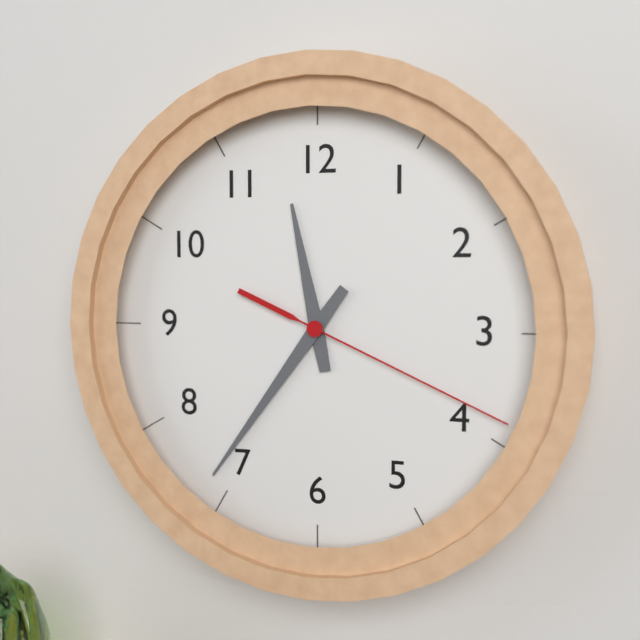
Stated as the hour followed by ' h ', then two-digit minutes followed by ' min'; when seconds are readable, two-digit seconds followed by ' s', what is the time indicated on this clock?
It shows 11 h 36 min 19 s
